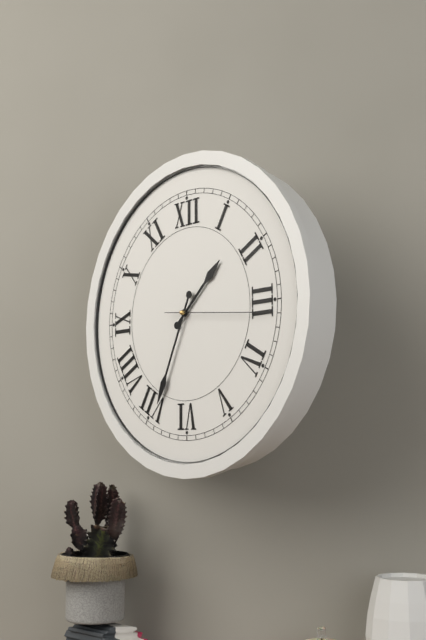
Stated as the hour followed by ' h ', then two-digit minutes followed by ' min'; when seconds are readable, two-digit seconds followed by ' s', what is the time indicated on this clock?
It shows 1 h 34 min 16 s
